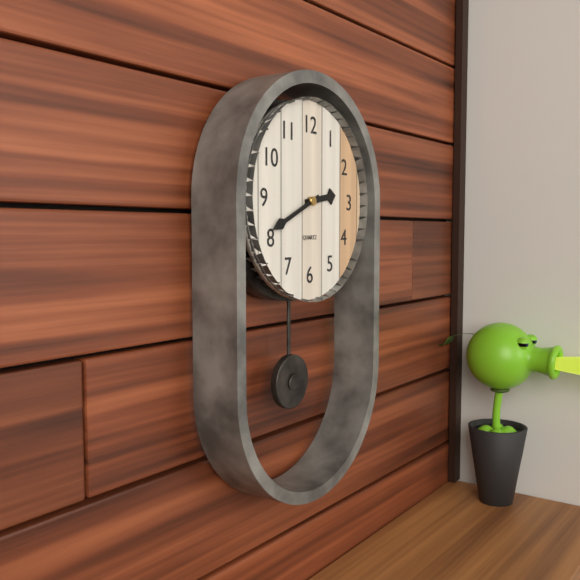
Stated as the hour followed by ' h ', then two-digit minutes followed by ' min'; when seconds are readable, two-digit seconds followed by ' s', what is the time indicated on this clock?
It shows 2 h 41 min
